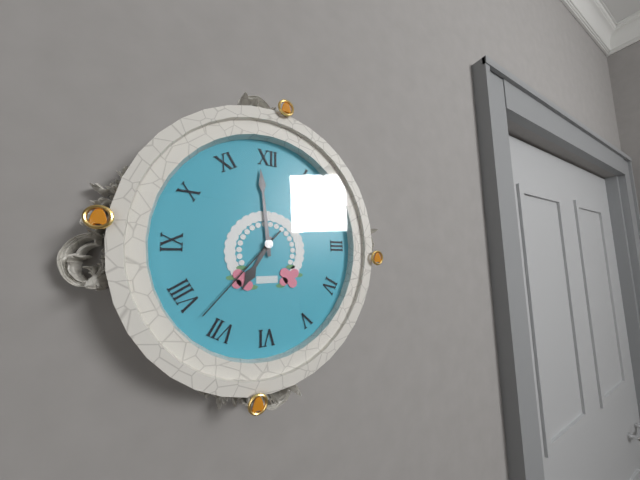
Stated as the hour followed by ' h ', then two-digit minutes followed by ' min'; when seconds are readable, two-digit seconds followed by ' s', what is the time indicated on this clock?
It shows 6 h 59 min 37 s
